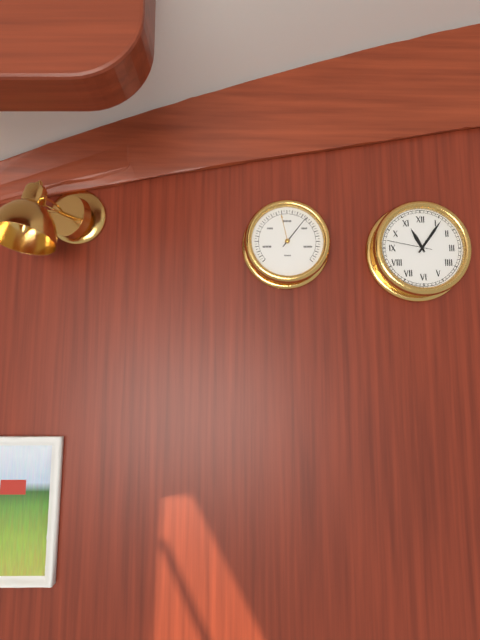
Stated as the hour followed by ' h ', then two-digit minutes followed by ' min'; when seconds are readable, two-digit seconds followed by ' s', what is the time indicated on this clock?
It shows 11 h 06 min
